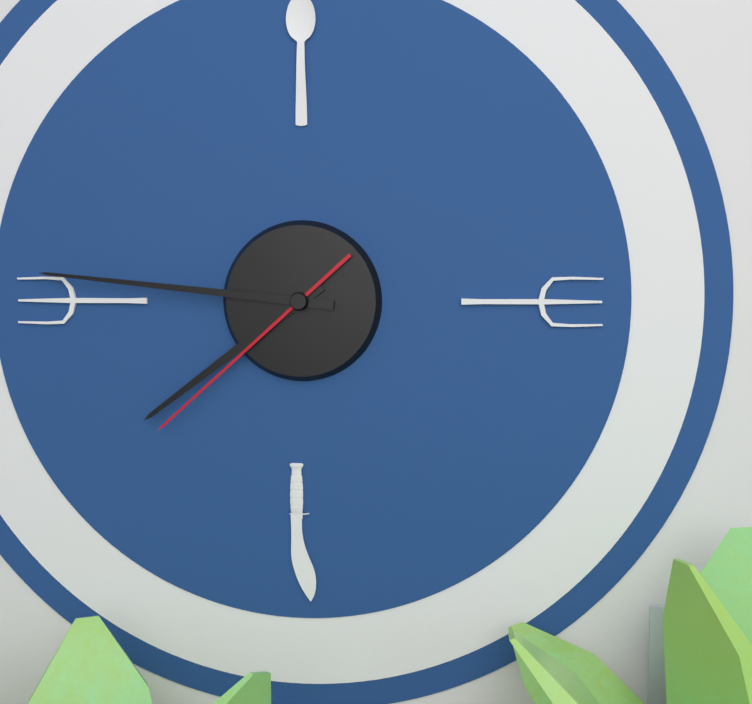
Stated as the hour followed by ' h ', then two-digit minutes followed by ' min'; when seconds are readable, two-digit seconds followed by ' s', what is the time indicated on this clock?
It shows 7 h 46 min 38 s
